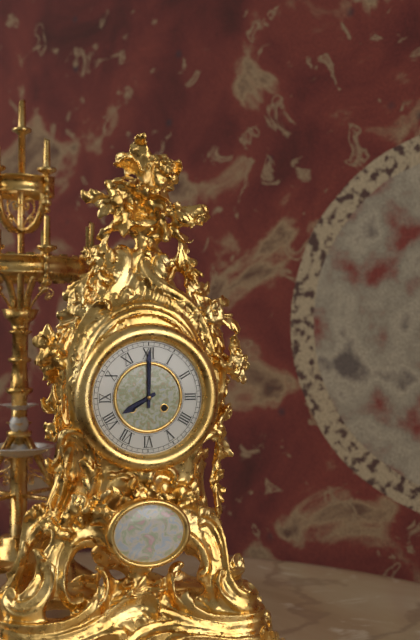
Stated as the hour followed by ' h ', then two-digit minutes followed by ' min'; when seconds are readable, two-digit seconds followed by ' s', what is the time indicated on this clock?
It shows 8 h 00 min
